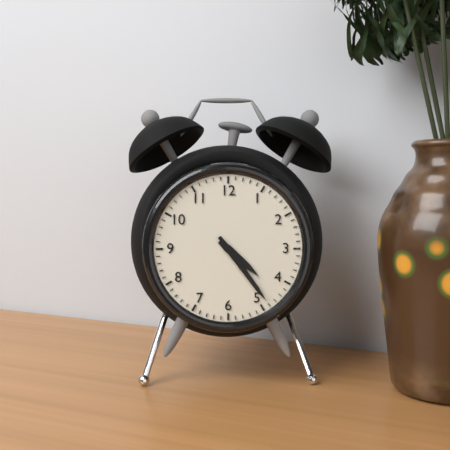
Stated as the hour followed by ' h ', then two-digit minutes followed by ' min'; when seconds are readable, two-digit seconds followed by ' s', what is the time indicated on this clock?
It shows 4 h 24 min
